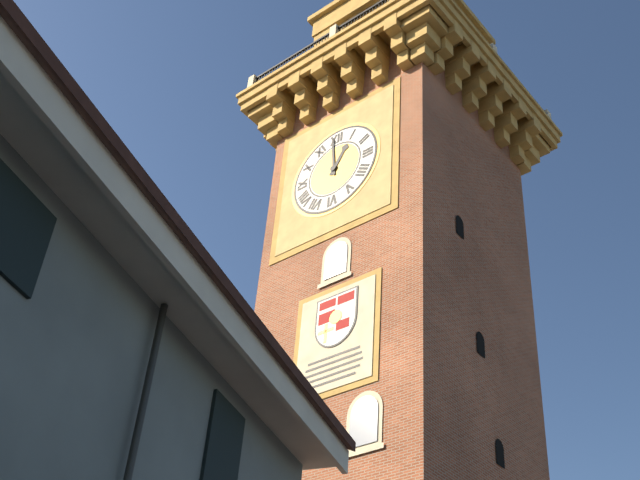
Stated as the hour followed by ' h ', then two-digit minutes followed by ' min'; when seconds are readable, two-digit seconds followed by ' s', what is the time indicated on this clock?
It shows 12 h 59 min
